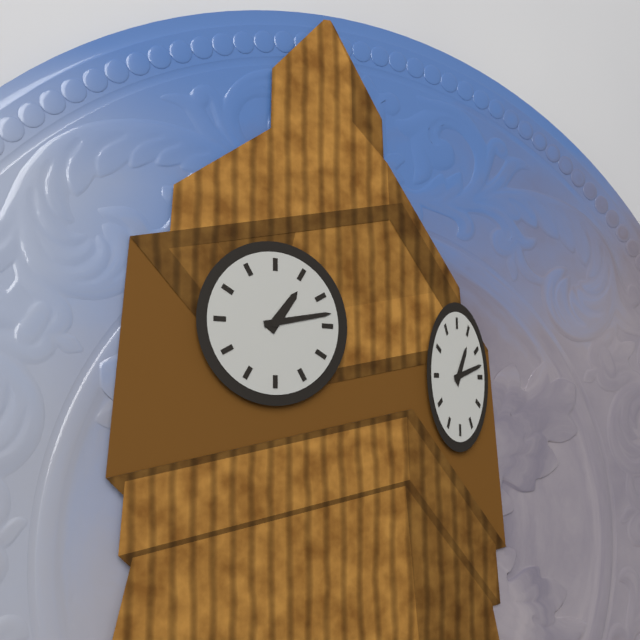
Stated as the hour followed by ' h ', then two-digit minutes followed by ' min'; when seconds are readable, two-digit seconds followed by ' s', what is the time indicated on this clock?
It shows 1 h 13 min
